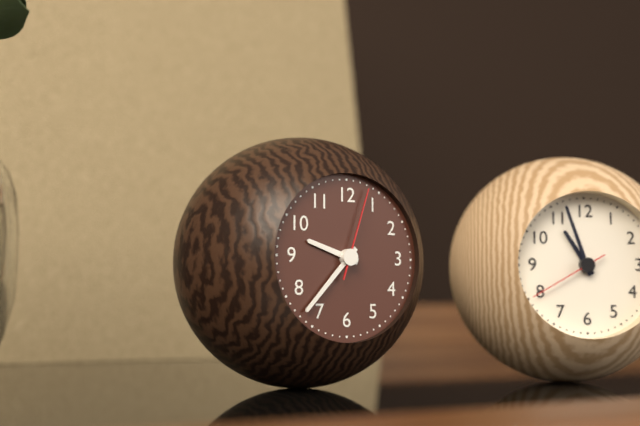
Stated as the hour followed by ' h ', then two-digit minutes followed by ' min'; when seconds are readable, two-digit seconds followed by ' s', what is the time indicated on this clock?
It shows 9 h 37 min 03 s
